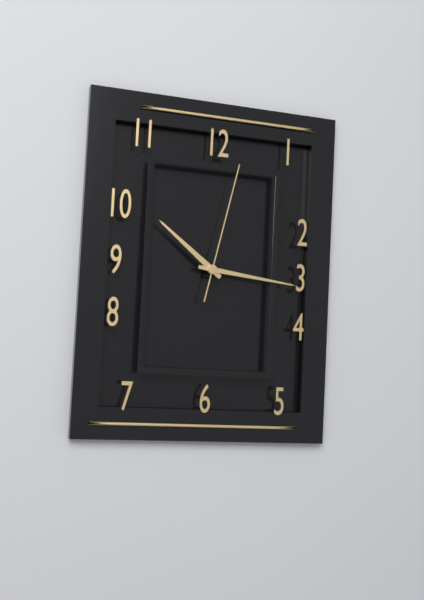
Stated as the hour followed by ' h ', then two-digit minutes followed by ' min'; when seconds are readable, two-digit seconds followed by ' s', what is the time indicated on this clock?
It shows 10 h 16 min 02 s
